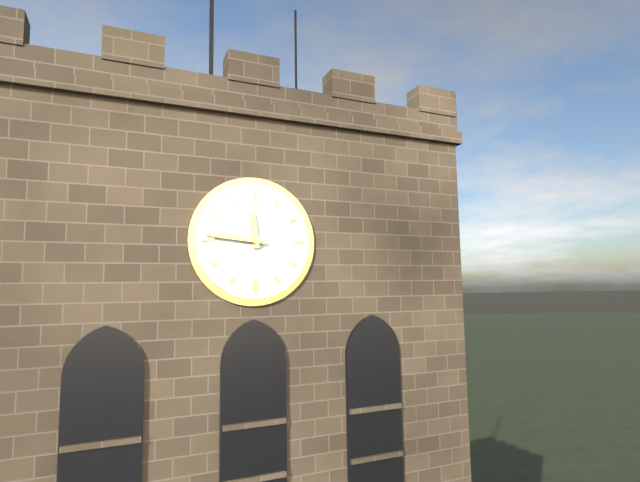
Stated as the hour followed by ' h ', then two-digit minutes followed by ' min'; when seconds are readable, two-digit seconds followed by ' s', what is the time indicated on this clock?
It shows 11 h 46 min
